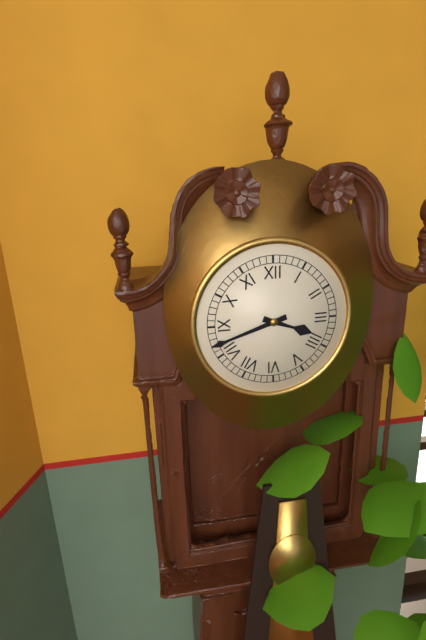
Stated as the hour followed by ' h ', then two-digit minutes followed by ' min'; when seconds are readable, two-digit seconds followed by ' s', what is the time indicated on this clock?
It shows 3 h 42 min
